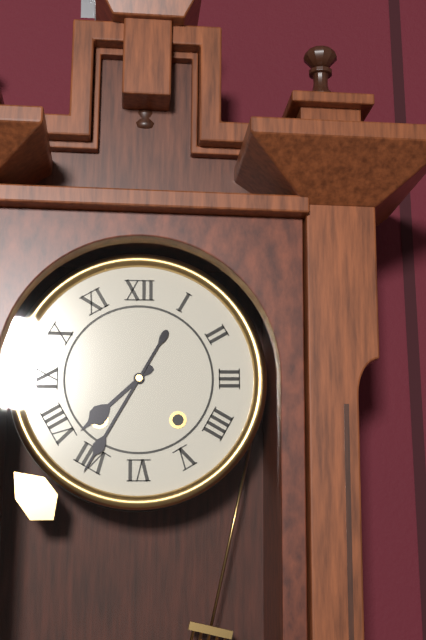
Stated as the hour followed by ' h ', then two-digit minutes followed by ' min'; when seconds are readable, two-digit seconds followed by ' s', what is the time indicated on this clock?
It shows 7 h 35 min
